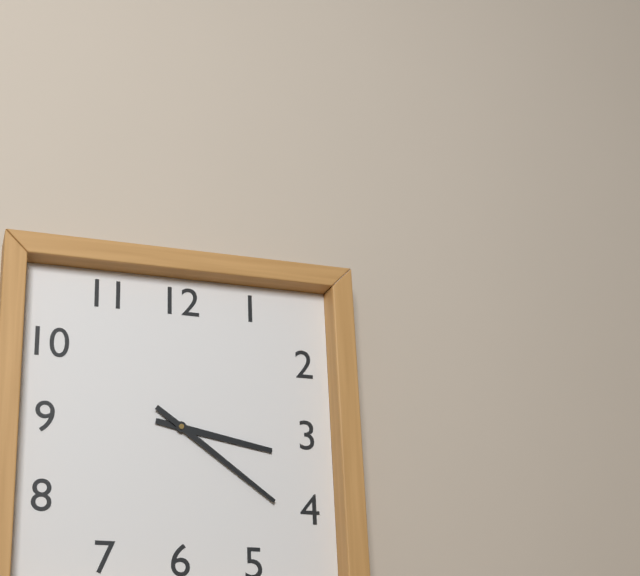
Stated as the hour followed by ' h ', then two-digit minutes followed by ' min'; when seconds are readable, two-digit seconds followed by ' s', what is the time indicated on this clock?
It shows 3 h 21 min
